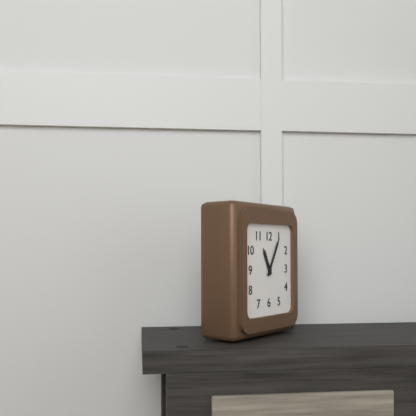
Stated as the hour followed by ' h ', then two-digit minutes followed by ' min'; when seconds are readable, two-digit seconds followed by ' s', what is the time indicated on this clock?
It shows 11 h 05 min
